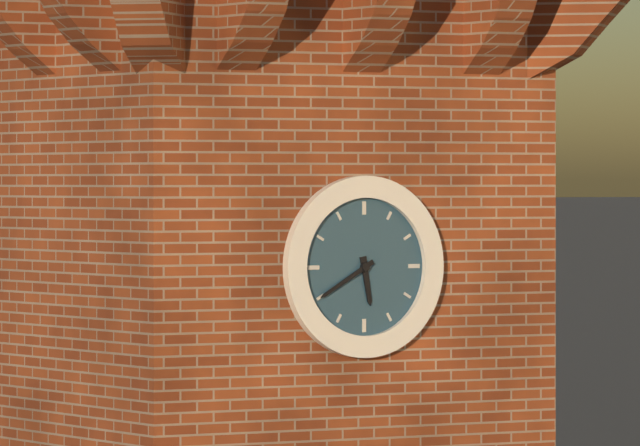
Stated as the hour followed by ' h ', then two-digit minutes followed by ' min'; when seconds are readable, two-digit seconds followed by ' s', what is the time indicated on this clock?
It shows 5 h 40 min
